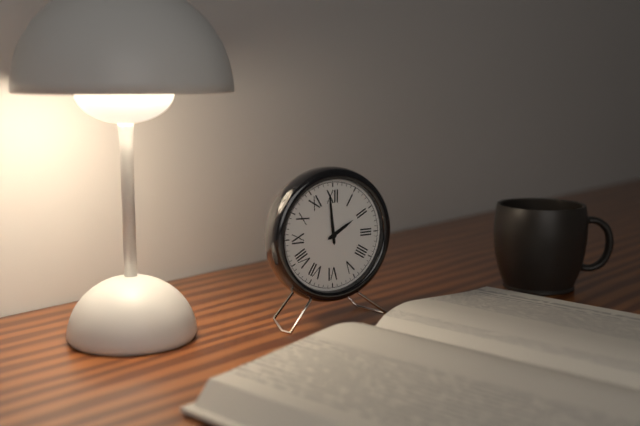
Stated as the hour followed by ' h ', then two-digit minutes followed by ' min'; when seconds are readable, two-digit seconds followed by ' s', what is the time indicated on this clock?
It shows 1 h 59 min
